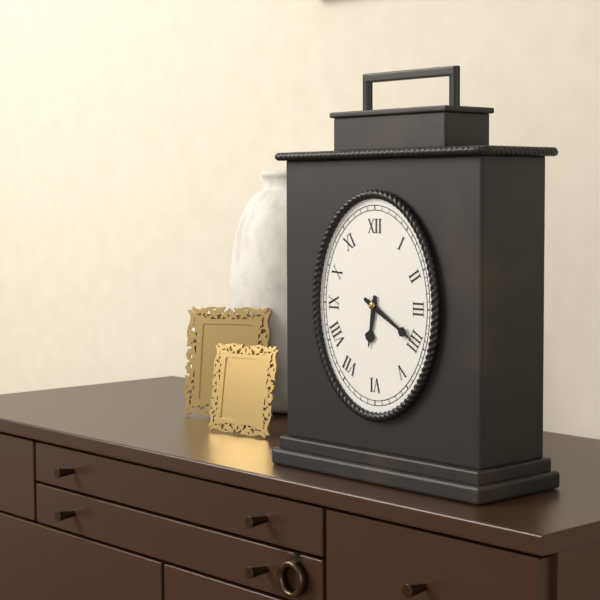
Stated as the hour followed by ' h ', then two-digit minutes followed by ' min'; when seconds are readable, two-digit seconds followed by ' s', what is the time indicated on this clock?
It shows 6 h 20 min
